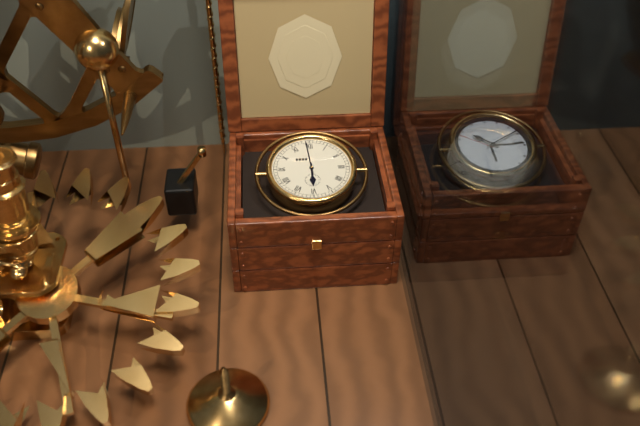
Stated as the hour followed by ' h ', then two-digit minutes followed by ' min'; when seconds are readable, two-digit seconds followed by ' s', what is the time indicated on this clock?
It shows 5 h 59 min
